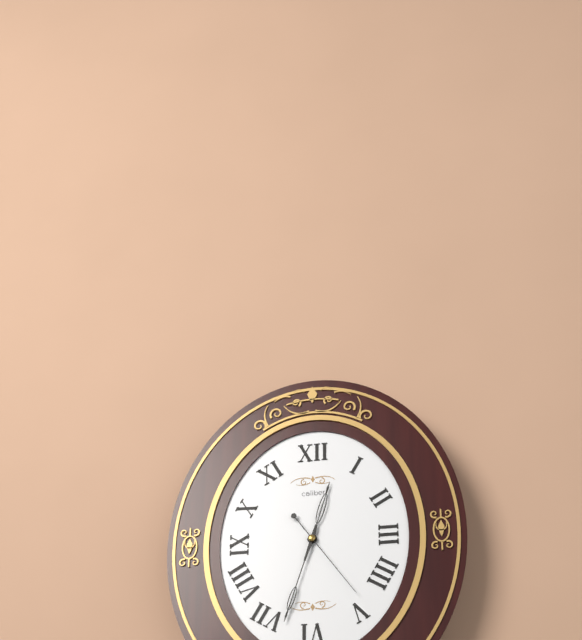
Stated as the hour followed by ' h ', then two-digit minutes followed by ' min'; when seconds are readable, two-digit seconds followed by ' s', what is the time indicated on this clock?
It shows 12 h 33 min 24 s
